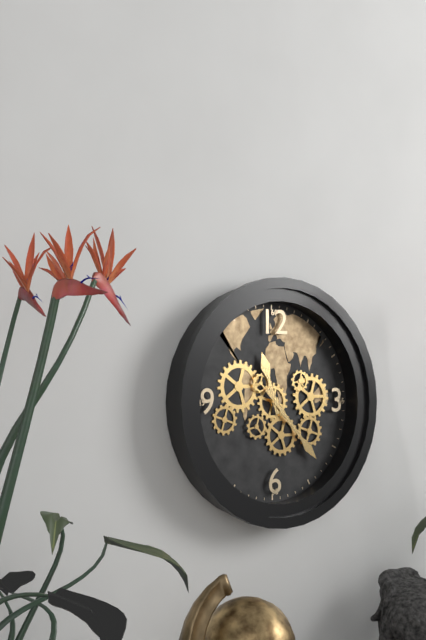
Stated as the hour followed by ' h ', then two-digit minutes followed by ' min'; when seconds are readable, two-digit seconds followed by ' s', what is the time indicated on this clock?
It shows 11 h 23 min
